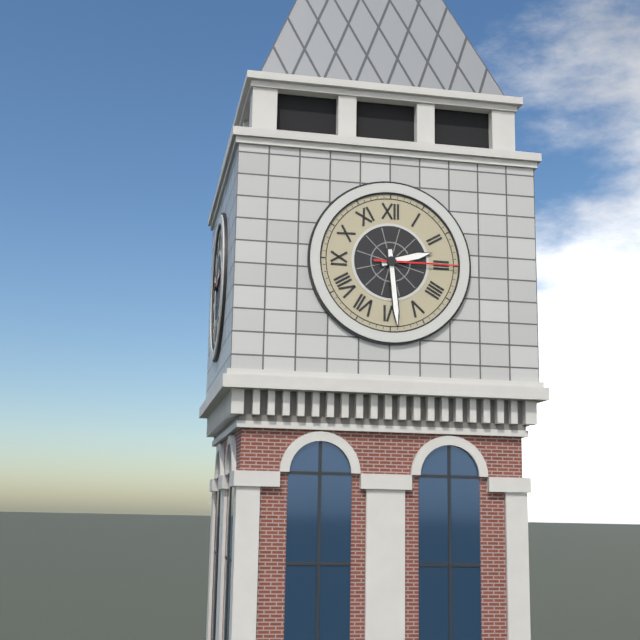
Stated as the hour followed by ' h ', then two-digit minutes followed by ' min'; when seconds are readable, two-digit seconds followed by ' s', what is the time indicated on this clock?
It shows 2 h 29 min 15 s
